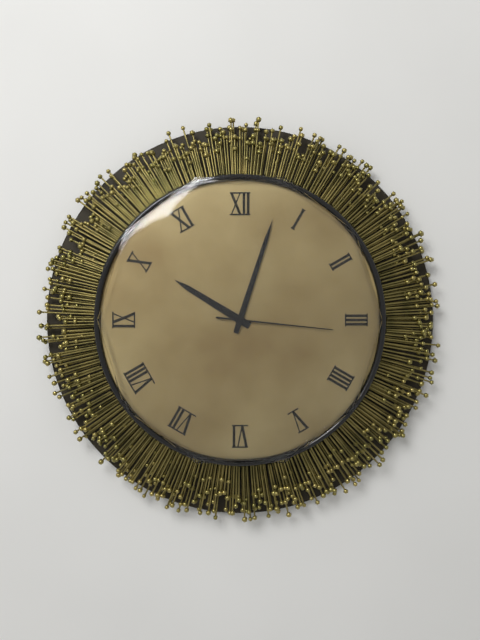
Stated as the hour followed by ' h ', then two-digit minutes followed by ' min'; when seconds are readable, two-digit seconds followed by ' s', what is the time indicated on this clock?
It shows 10 h 03 min 16 s
